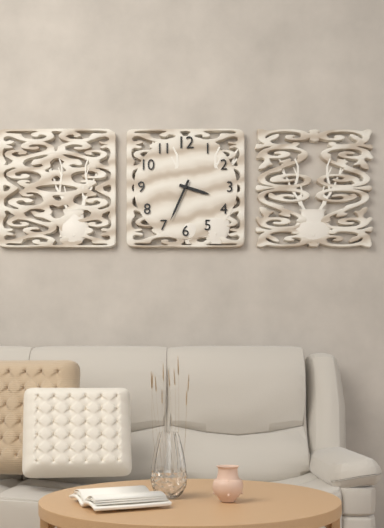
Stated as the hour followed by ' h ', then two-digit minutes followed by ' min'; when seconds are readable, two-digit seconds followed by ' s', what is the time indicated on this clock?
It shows 3 h 34 min
